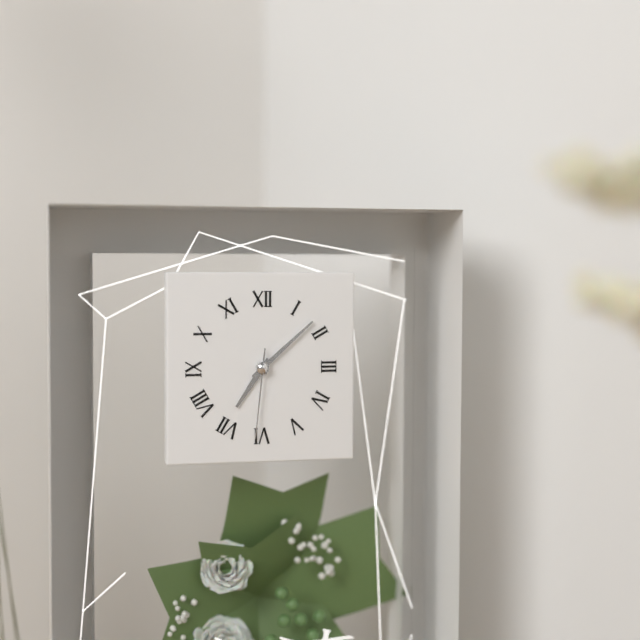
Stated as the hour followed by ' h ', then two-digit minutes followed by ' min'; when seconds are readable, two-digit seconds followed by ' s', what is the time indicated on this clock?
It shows 7 h 08 min 31 s
